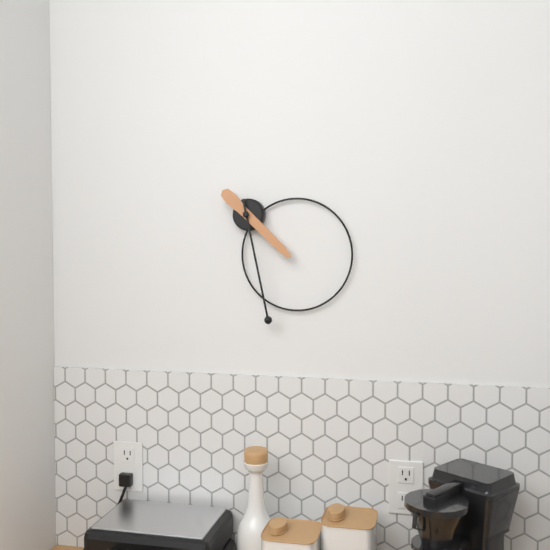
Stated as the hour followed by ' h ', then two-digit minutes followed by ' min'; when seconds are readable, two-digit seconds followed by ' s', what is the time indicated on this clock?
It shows 4 h 28 min
